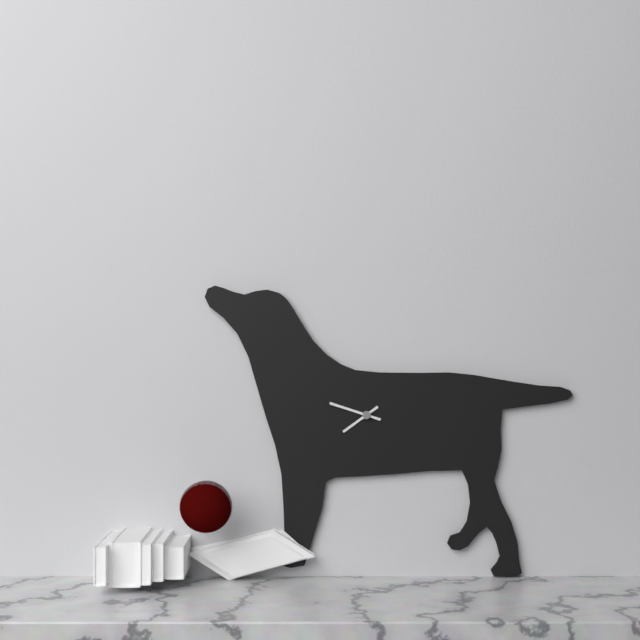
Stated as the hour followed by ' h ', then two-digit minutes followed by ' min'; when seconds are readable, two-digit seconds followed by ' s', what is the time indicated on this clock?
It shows 7 h 48 min
